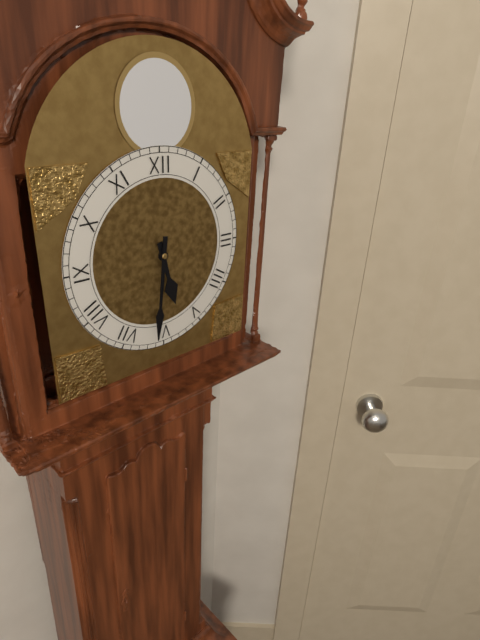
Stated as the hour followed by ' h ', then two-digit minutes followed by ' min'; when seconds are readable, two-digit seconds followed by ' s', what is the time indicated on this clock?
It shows 5 h 31 min
